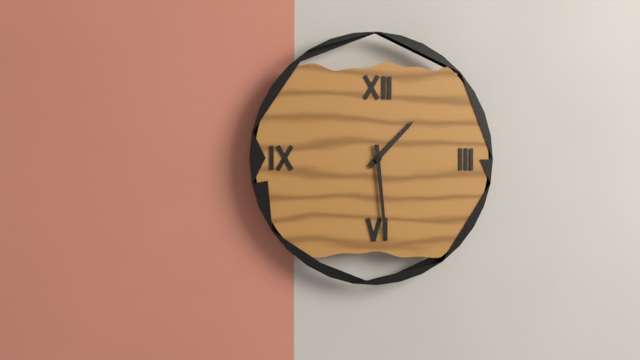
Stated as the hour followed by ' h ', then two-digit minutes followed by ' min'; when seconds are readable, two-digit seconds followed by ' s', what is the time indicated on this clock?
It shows 1 h 29 min
